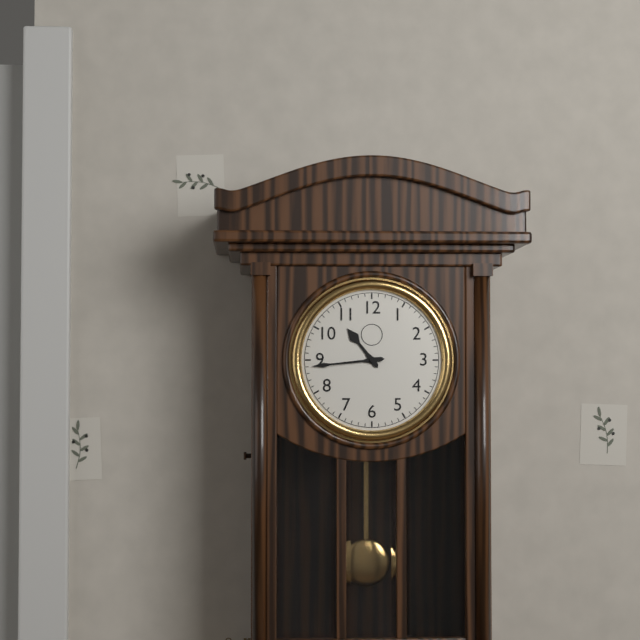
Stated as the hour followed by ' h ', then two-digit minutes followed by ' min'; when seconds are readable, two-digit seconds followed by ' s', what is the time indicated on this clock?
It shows 10 h 44 min
